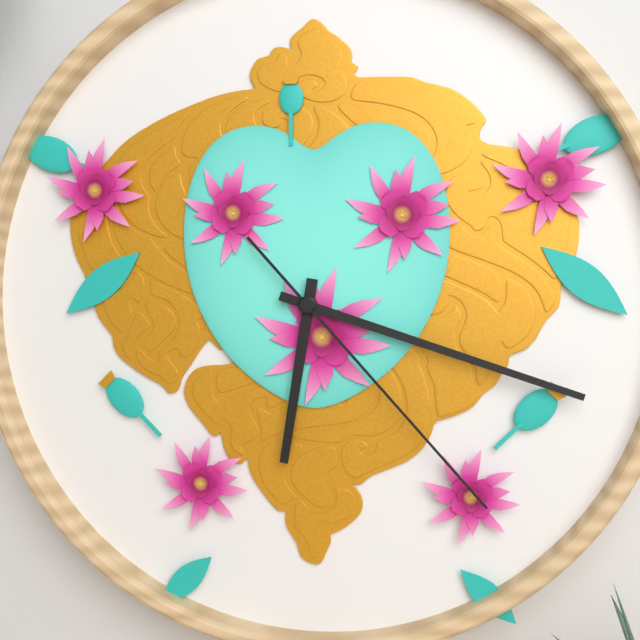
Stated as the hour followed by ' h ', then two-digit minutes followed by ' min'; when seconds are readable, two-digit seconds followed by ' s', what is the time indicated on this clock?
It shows 6 h 18 min 23 s
